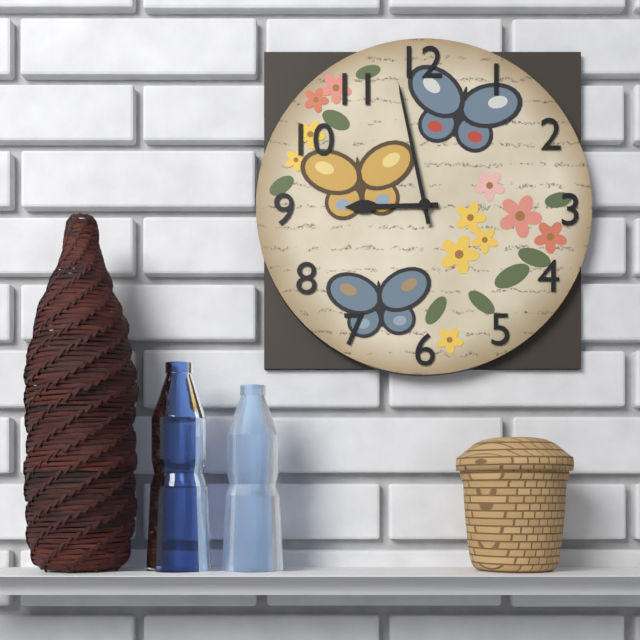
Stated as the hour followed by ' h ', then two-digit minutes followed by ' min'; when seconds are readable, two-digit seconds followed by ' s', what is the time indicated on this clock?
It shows 8 h 58 min
